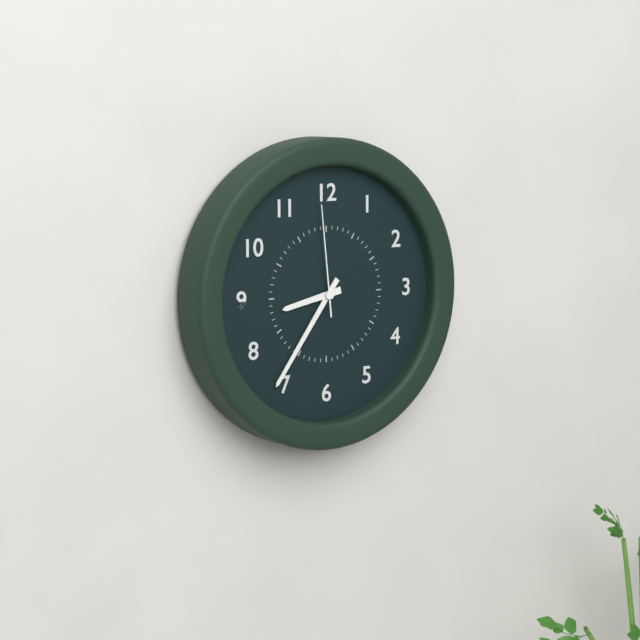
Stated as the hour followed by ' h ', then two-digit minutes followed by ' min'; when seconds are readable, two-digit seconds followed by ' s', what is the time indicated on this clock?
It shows 8 h 36 min 59 s
